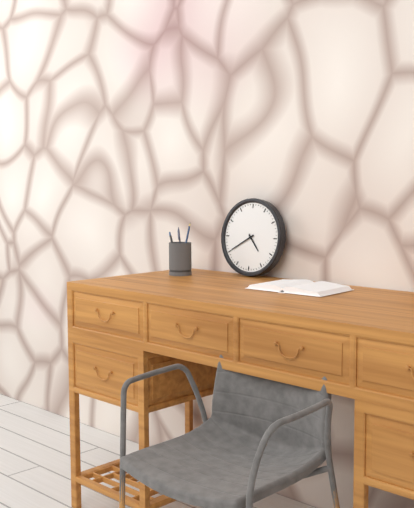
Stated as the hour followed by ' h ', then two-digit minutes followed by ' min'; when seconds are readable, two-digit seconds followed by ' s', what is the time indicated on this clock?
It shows 4 h 40 min
